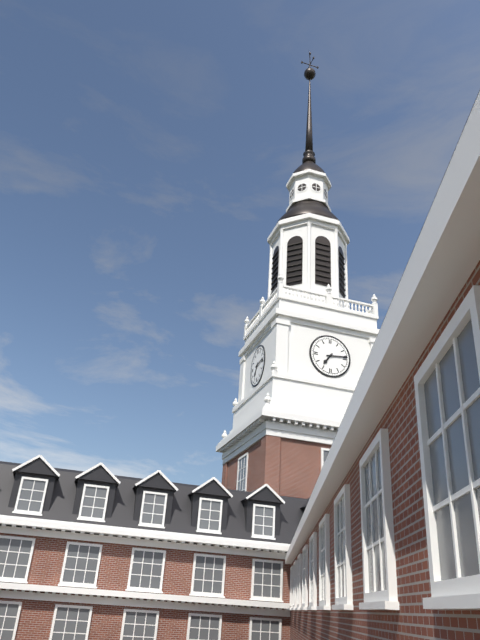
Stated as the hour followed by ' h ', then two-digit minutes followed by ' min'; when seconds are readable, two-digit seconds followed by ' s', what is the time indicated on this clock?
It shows 7 h 14 min
